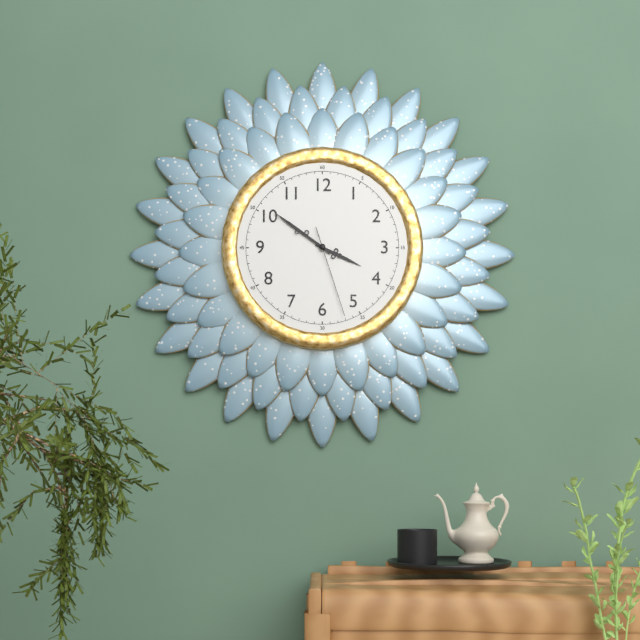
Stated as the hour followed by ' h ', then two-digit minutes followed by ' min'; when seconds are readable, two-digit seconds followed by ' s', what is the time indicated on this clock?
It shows 3 h 51 min 27 s
